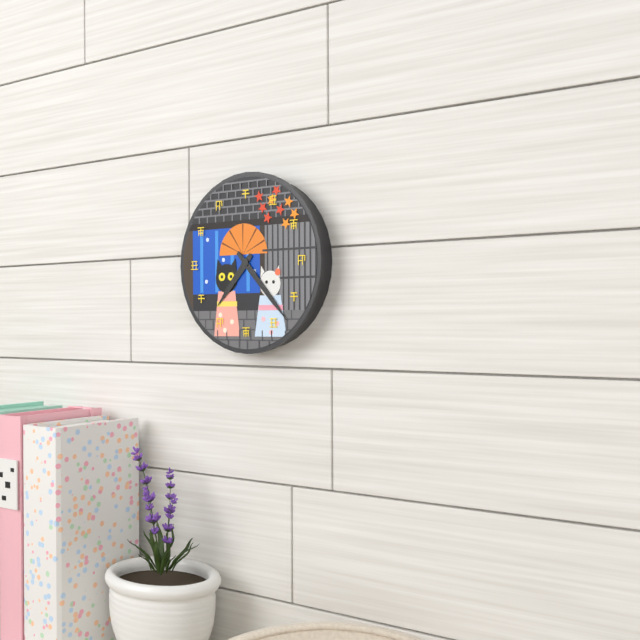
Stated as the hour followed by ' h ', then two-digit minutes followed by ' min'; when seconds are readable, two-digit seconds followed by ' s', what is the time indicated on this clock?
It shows 7 h 23 min
